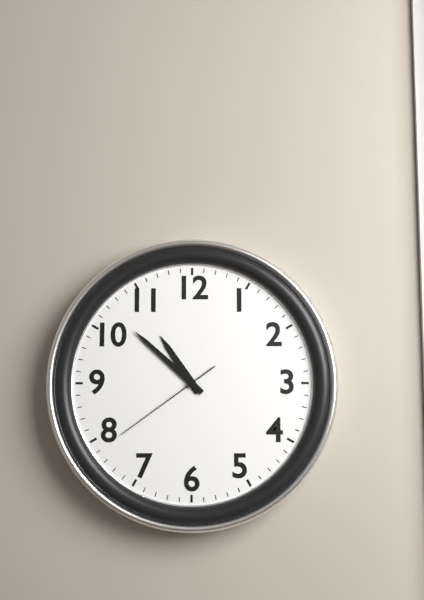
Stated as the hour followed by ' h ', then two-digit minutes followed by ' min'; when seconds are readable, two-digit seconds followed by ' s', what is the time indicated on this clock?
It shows 10 h 52 min 39 s
